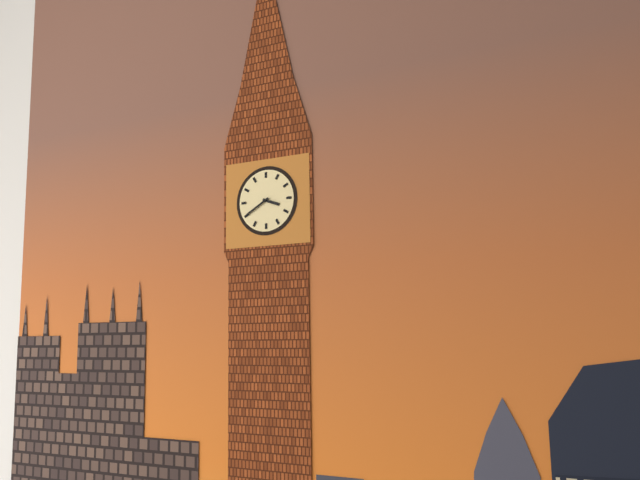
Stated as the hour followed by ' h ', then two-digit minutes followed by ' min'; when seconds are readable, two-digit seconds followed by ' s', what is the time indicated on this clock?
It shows 3 h 40 min
